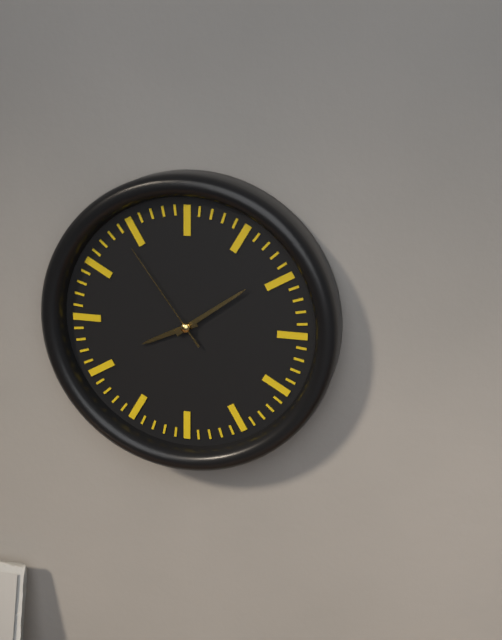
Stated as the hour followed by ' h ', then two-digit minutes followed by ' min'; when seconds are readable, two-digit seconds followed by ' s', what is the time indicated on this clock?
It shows 8 h 09 min 54 s
